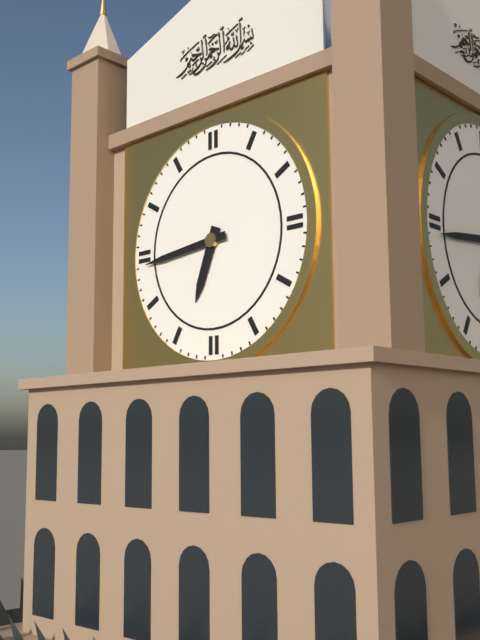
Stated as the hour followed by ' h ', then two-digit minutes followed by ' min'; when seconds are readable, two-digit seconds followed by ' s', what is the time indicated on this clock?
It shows 6 h 44 min
